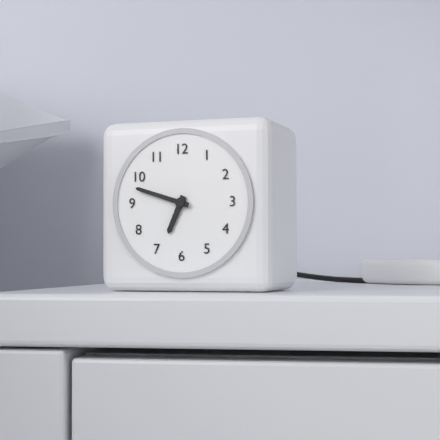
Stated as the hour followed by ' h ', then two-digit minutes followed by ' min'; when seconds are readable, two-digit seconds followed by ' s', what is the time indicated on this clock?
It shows 6 h 48 min
